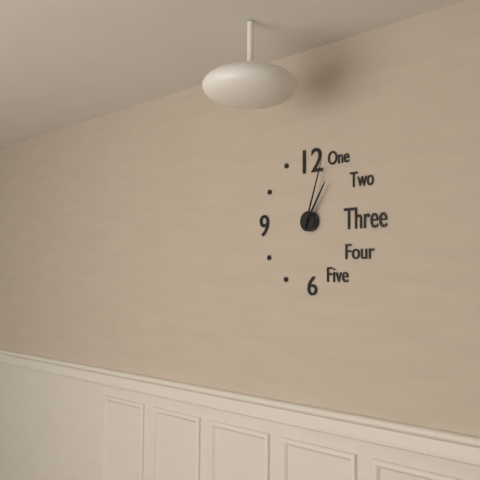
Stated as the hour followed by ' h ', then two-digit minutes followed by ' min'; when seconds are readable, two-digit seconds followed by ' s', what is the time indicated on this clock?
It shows 1 h 03 min
